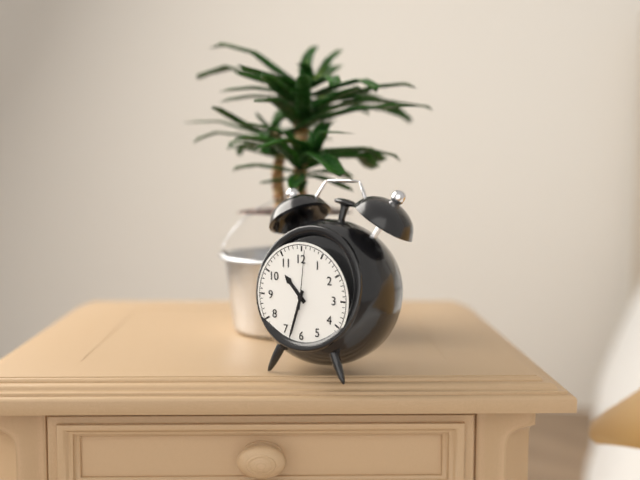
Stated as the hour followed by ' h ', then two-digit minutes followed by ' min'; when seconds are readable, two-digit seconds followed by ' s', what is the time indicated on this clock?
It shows 10 h 33 min 01 s
